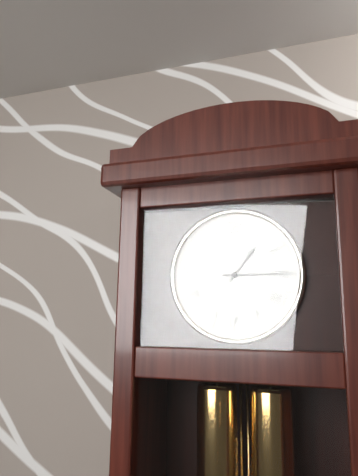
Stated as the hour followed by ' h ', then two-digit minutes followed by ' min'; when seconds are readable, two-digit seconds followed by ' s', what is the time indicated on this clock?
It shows 1 h 15 min
